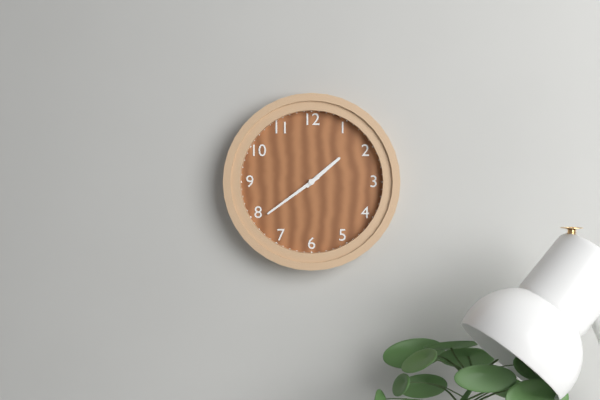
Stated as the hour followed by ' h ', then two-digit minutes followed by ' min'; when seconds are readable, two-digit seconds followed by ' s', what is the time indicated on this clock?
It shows 1 h 39 min
